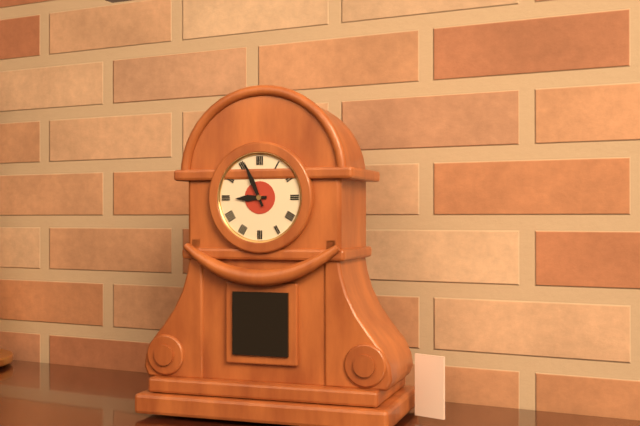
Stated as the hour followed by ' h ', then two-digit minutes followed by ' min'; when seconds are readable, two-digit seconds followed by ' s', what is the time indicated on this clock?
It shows 8 h 56 min
